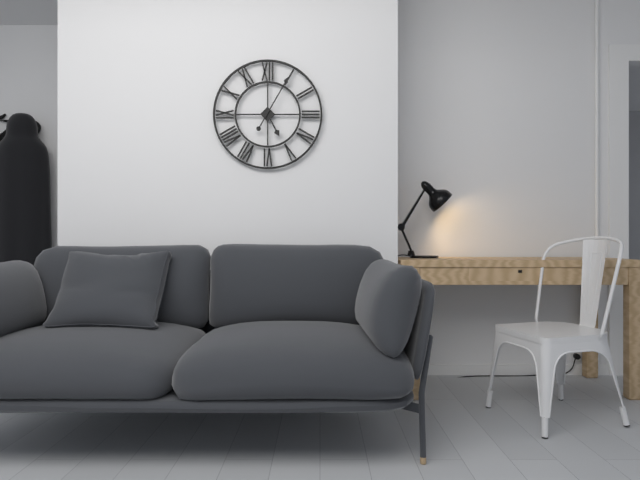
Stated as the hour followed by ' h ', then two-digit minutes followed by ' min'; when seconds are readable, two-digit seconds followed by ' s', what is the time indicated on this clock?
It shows 5 h 05 min
